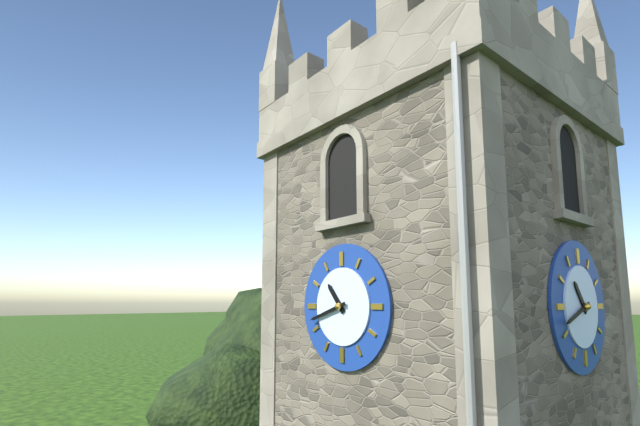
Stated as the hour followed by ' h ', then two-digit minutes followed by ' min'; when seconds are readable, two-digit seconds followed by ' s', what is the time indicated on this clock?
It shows 10 h 42 min
